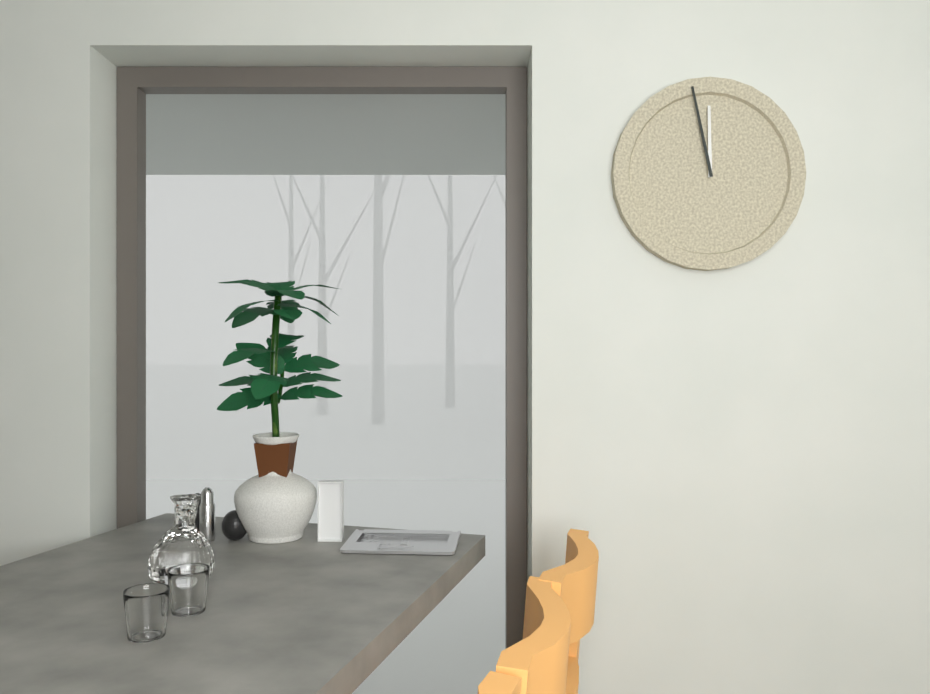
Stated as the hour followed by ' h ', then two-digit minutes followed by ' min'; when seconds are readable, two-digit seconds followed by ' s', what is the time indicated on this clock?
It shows 11 h 58 min
